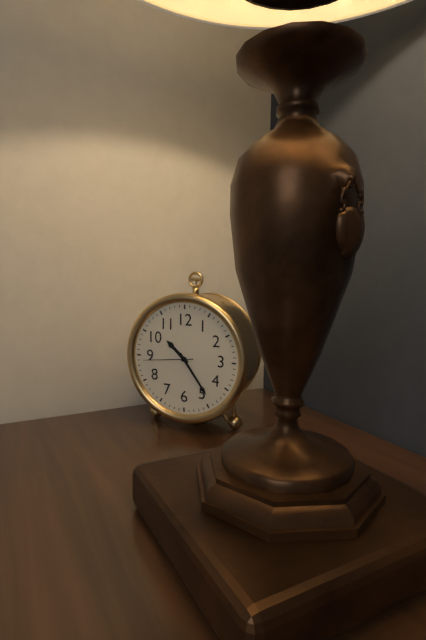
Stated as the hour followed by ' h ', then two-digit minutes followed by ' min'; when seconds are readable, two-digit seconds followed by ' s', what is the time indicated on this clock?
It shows 10 h 24 min 44 s
